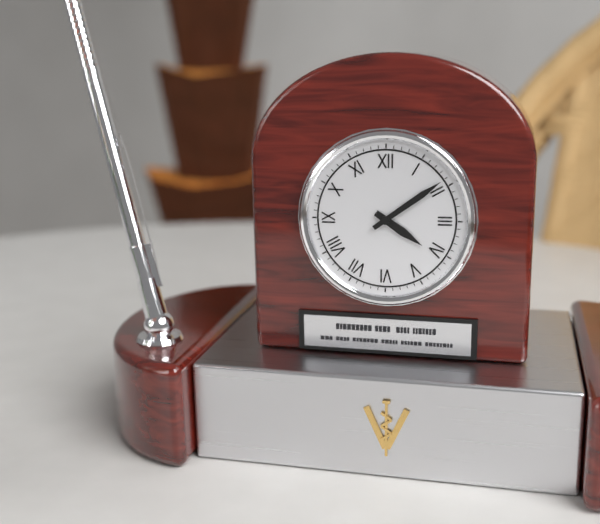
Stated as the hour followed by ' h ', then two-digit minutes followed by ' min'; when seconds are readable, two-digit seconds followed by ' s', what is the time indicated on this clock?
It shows 4 h 09 min
